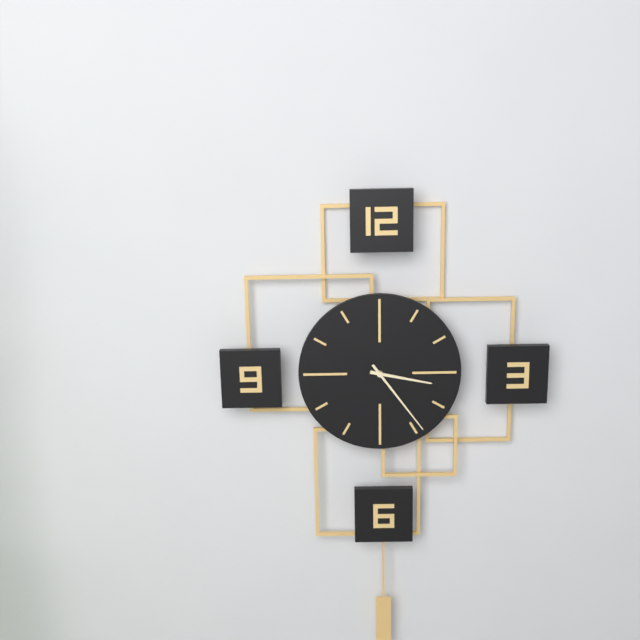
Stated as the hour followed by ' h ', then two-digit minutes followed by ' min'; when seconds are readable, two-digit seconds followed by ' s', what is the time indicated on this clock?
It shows 3 h 24 min
